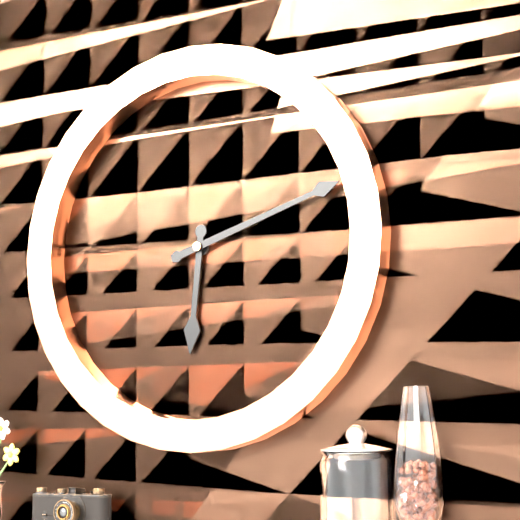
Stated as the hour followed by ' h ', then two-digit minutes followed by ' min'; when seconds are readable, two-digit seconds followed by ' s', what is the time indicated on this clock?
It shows 6 h 12 min
